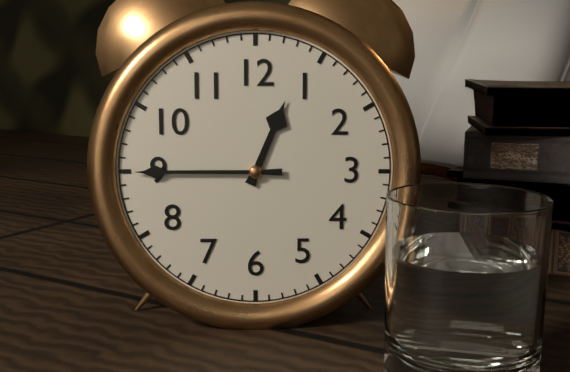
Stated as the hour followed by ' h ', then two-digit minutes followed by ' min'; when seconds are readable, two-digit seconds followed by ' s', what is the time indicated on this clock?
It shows 12 h 45 min
